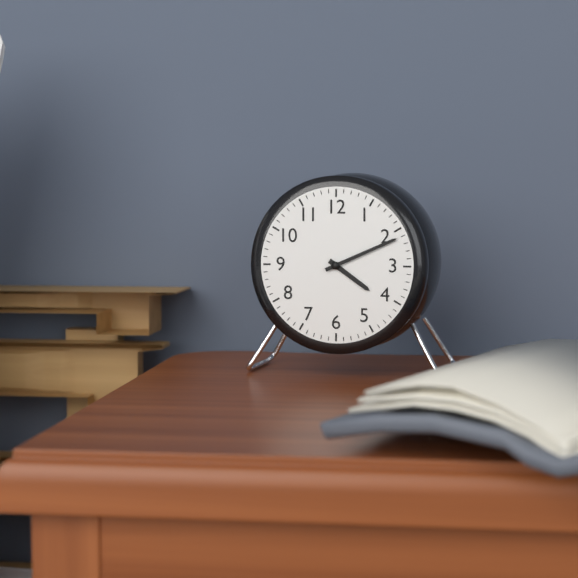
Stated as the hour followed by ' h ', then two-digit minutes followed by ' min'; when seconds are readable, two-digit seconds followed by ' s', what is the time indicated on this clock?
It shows 4 h 11 min
